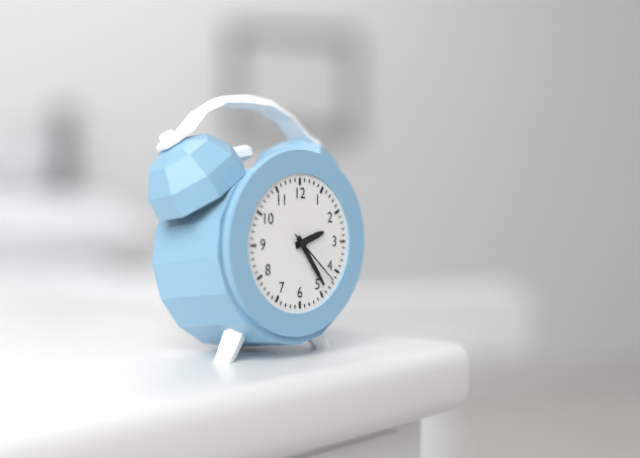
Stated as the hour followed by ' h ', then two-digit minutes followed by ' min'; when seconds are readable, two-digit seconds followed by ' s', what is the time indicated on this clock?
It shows 2 h 24 min 22 s
